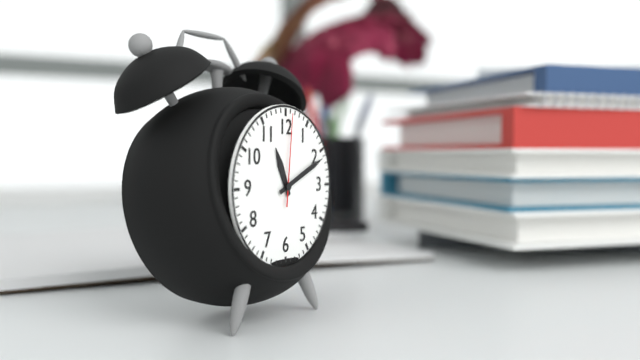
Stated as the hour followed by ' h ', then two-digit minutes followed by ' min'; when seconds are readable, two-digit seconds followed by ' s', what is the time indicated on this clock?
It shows 11 h 11 min 01 s
